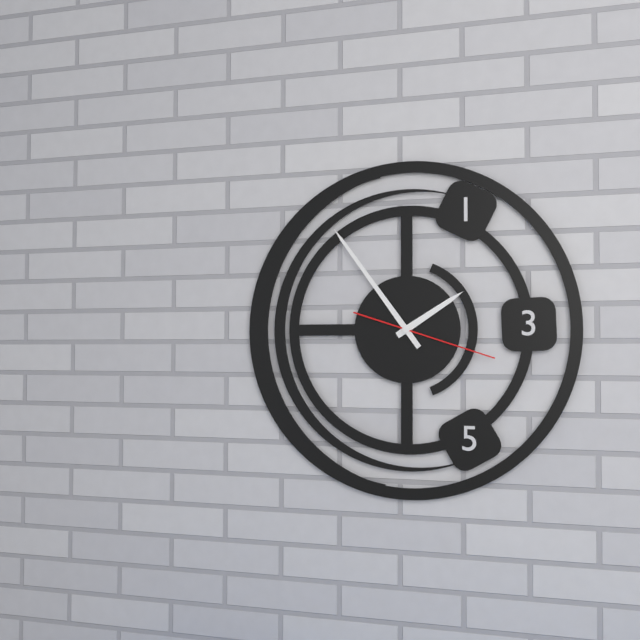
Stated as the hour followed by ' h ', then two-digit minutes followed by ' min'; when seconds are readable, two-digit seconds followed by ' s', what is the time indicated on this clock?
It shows 1 h 54 min 18 s
